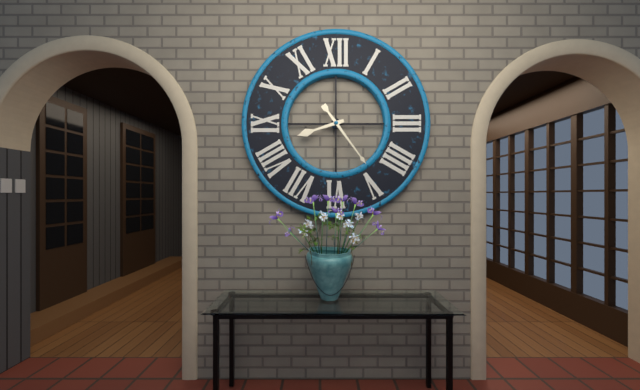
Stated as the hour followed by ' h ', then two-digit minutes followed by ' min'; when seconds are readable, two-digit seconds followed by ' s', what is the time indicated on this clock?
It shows 8 h 24 min
